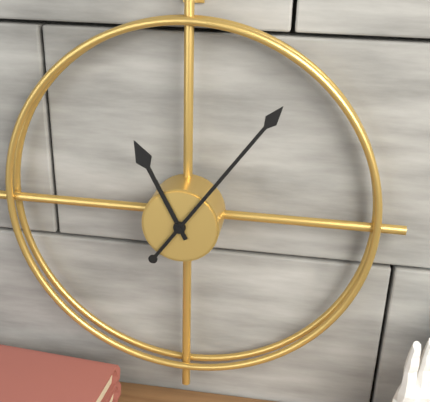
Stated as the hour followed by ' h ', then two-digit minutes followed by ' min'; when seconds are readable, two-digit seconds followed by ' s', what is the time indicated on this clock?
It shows 11 h 06 min
